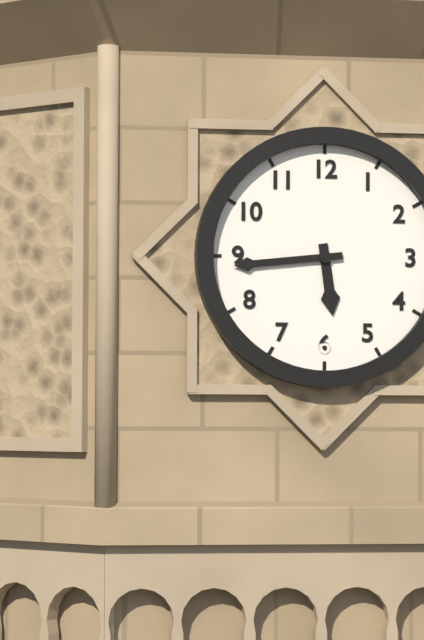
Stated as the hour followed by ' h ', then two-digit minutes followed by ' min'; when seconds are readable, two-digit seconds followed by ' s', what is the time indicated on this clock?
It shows 5 h 44 min
